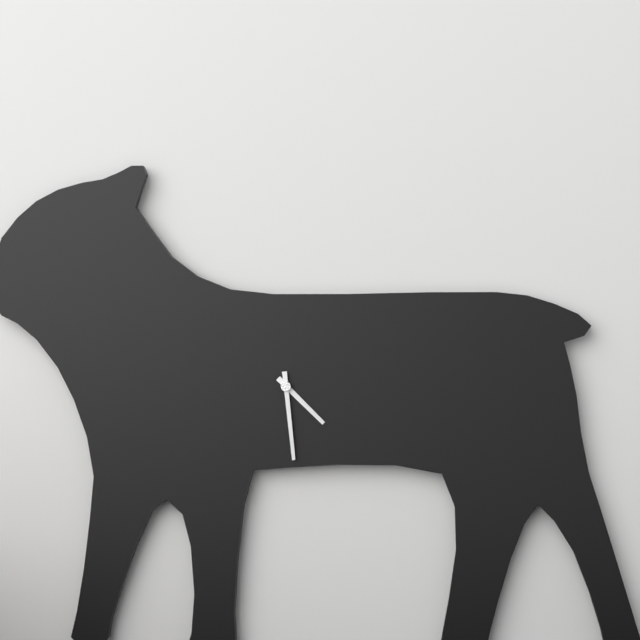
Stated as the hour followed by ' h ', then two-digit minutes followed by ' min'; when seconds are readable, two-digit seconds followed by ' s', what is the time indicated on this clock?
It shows 4 h 29 min
